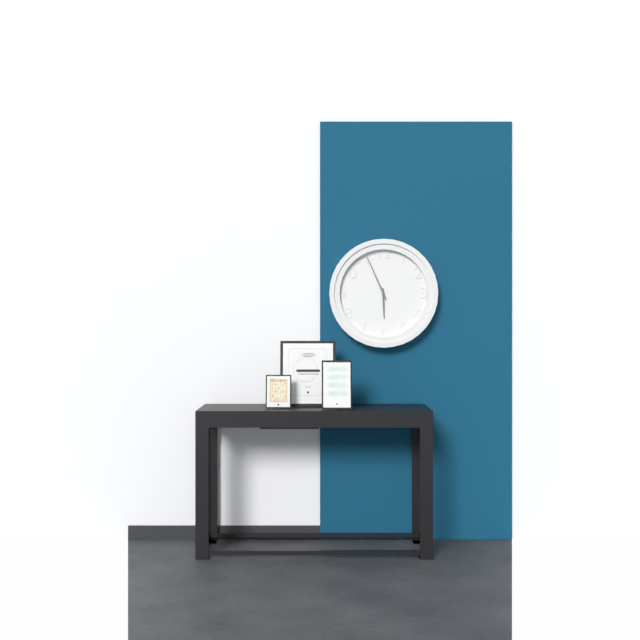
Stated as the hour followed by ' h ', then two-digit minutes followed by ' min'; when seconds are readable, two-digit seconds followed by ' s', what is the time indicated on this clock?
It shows 5 h 56 min
